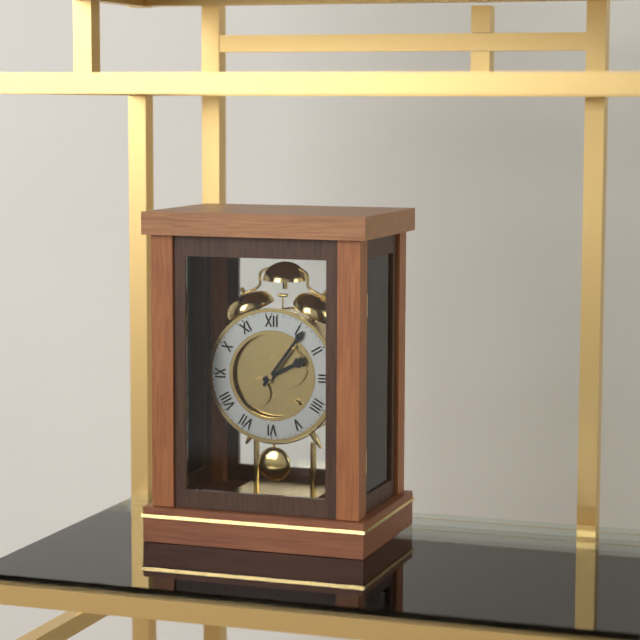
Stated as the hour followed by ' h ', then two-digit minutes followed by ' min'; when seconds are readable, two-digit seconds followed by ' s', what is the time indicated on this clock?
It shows 2 h 06 min
